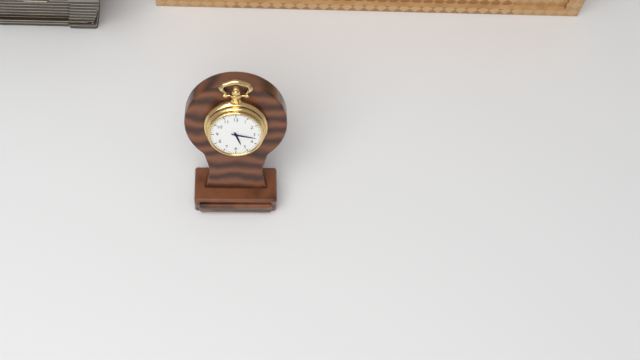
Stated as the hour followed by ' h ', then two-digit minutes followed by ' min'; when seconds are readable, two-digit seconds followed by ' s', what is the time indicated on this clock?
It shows 5 h 17 min
